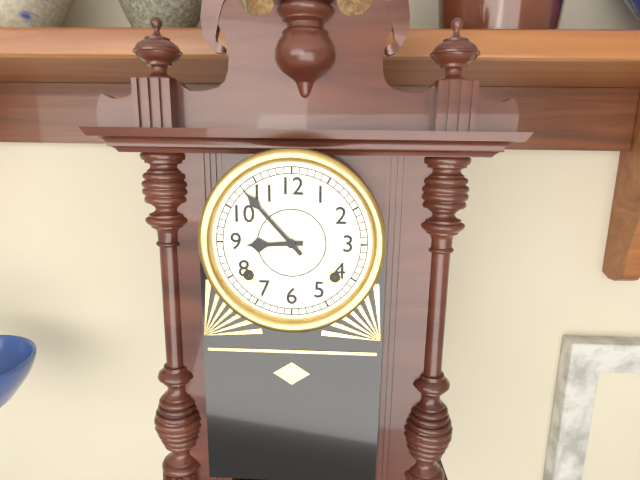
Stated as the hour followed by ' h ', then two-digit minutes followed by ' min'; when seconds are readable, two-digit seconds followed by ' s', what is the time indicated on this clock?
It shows 8 h 53 min
